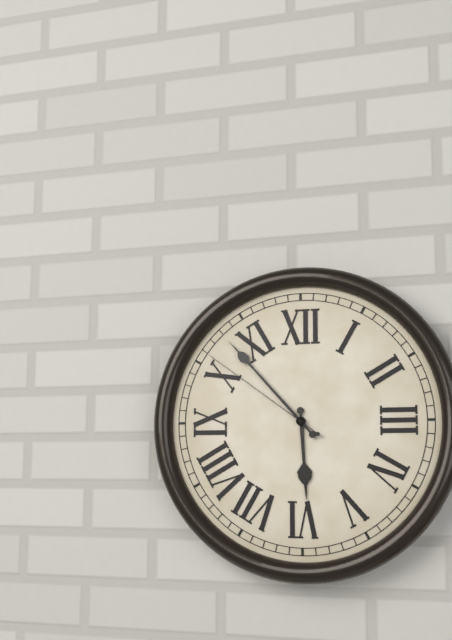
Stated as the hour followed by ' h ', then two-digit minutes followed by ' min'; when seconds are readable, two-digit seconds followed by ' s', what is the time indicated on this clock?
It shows 5 h 53 min 51 s
